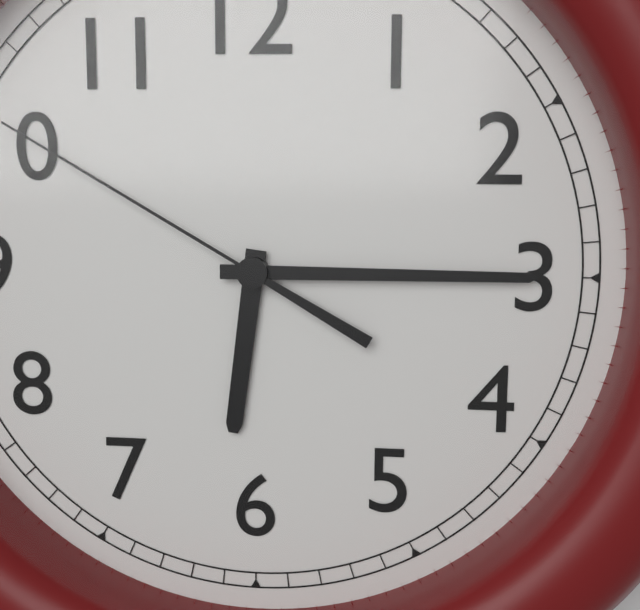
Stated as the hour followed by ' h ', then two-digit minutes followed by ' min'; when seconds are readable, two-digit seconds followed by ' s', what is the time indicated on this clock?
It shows 6 h 15 min 50 s
